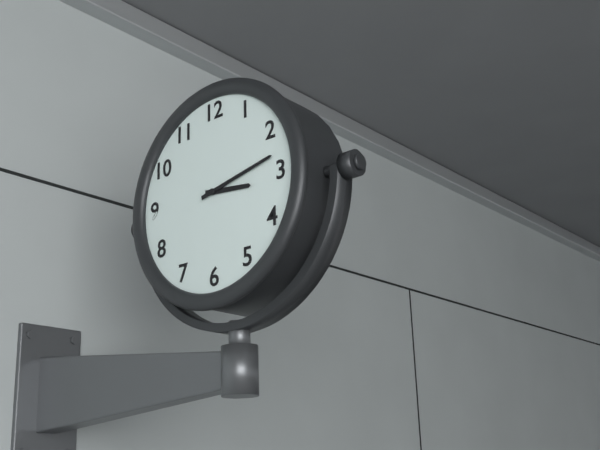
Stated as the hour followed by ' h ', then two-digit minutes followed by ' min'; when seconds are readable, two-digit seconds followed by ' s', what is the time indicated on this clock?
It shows 3 h 13 min
